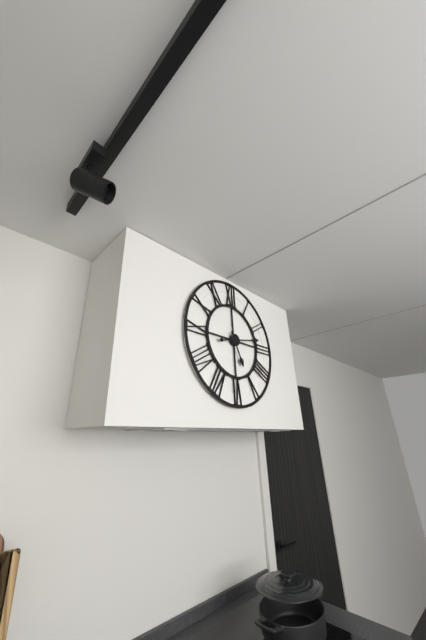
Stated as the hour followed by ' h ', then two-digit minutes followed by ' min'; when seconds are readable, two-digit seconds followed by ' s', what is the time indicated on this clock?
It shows 5 h 13 min
